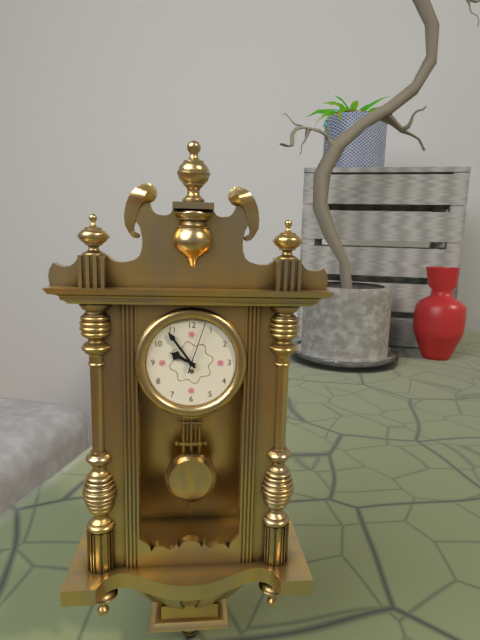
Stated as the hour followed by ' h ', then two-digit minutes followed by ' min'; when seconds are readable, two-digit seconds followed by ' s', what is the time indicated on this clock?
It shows 9 h 54 min 03 s
